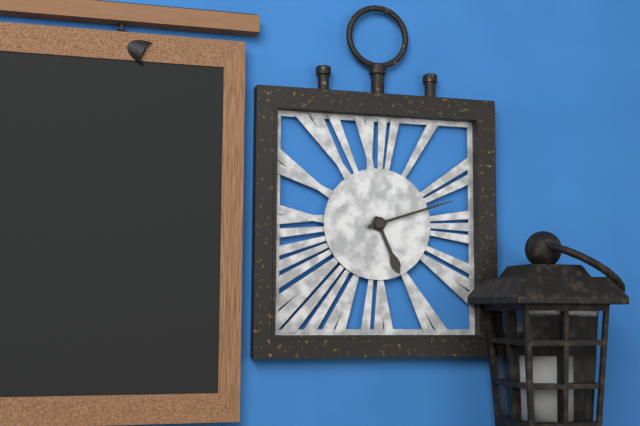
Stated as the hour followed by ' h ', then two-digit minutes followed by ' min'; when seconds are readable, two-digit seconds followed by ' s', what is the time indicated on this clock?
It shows 5 h 12 min
